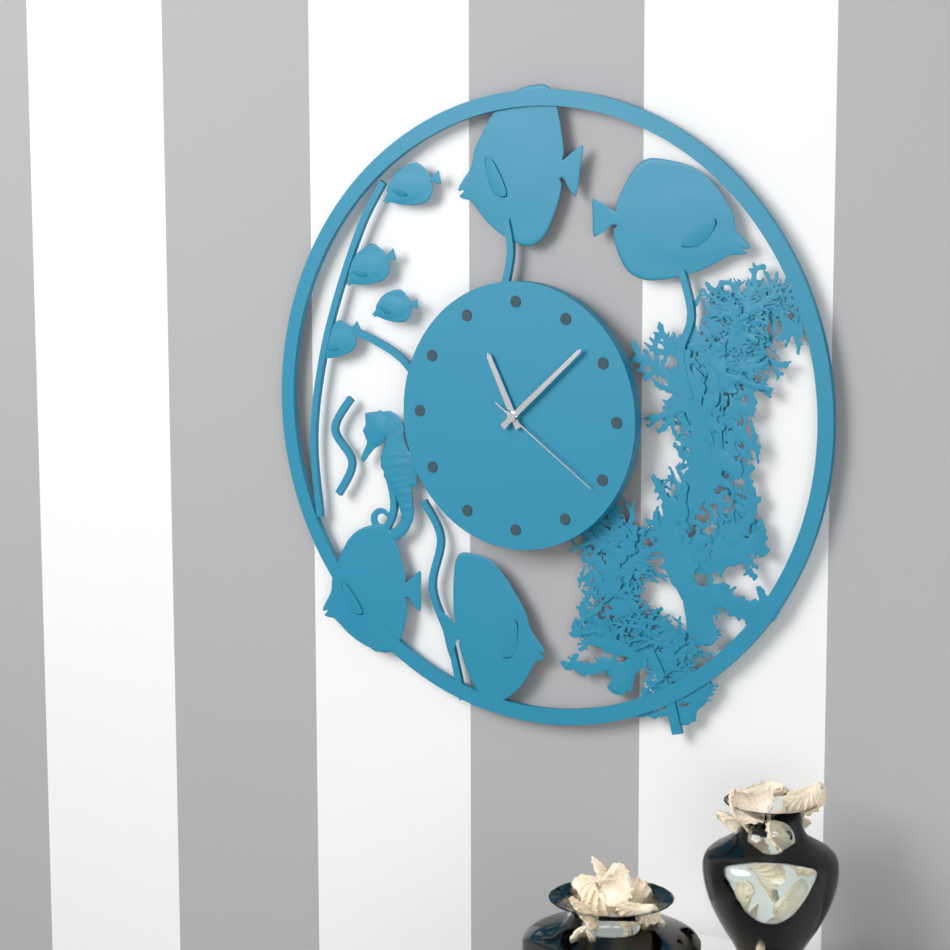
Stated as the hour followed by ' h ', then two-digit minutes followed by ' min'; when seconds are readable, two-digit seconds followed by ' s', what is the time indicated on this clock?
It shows 11 h 08 min 21 s
